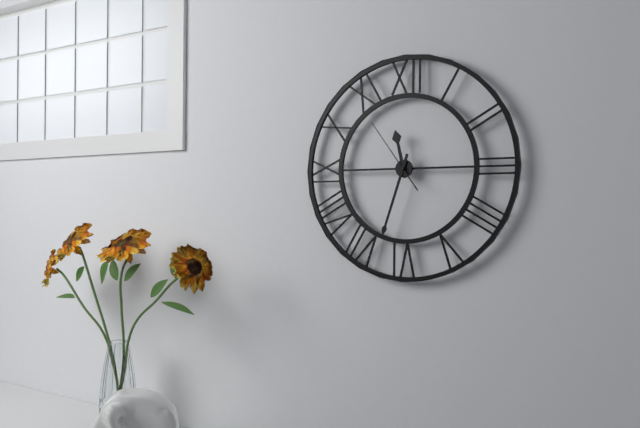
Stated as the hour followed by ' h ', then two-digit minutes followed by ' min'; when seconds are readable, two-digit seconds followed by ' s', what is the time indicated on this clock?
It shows 11 h 33 min 54 s
